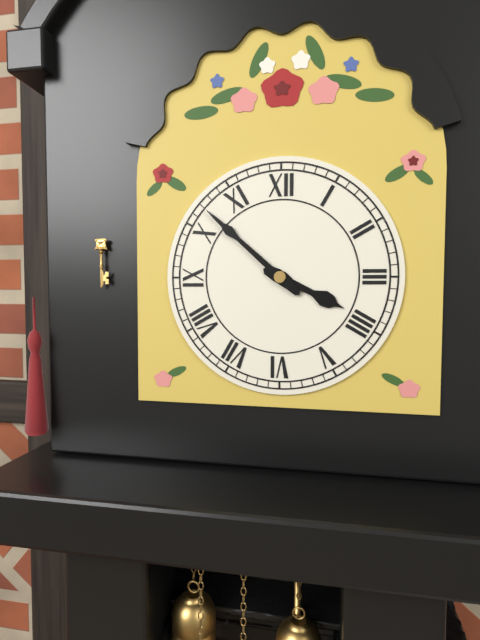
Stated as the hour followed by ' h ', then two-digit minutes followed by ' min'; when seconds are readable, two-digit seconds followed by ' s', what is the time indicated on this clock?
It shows 3 h 52 min
